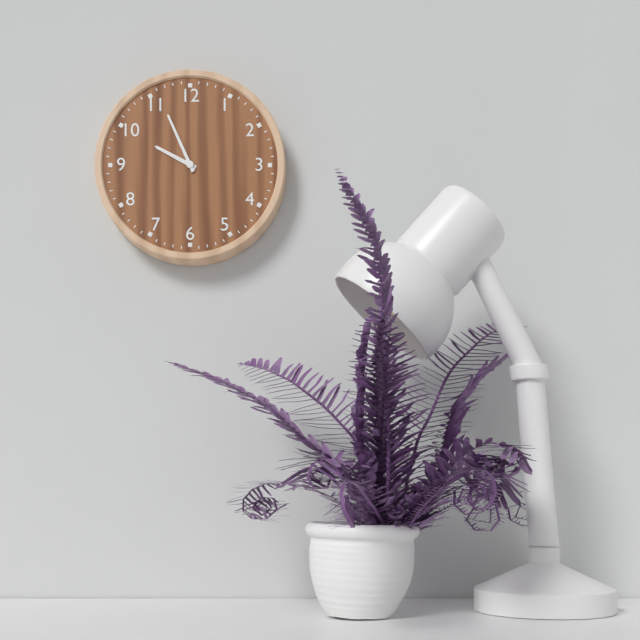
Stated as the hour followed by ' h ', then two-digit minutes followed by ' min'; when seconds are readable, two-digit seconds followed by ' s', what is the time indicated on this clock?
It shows 9 h 56 min
